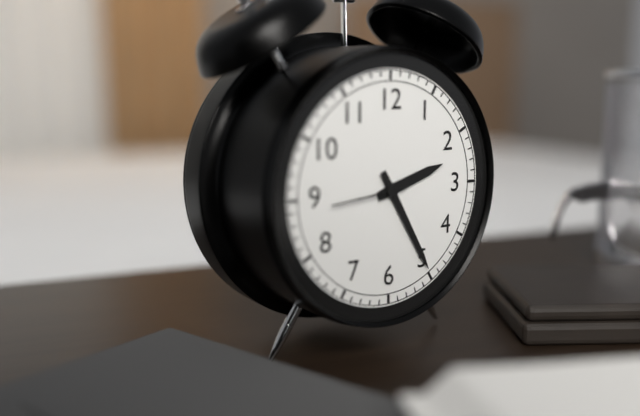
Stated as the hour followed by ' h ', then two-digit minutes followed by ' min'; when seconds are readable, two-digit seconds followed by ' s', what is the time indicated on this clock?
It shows 2 h 25 min
